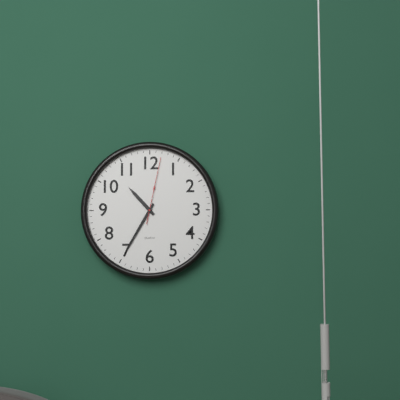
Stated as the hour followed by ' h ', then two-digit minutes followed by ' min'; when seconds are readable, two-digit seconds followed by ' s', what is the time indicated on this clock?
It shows 10 h 35 min 02 s
